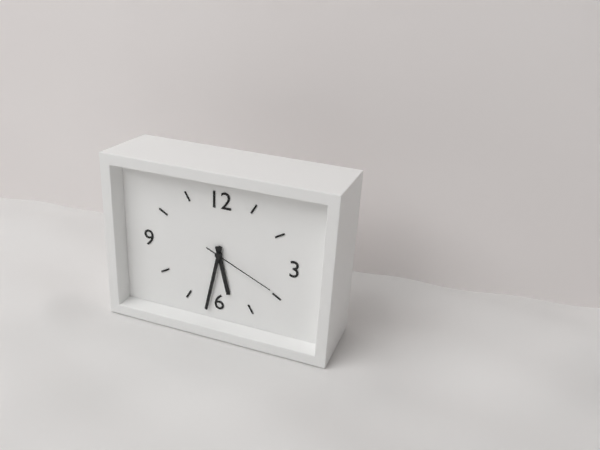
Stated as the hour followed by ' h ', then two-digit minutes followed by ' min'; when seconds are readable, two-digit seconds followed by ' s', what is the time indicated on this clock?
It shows 5 h 32 min 19 s
